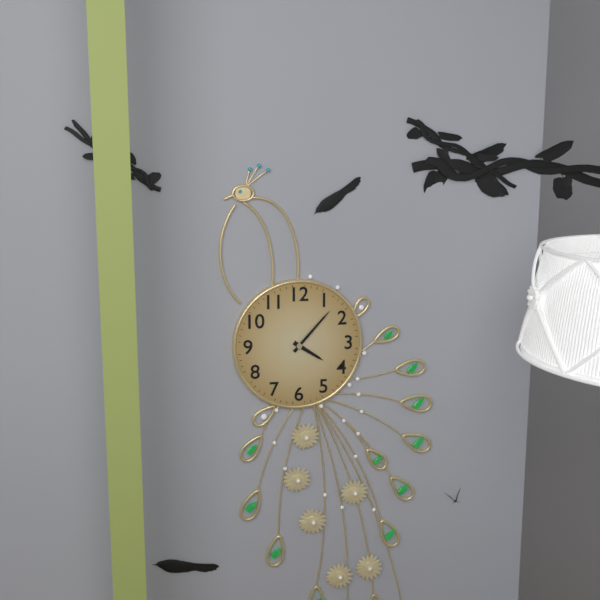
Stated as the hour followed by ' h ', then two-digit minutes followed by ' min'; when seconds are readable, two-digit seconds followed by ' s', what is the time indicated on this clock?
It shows 4 h 07 min
